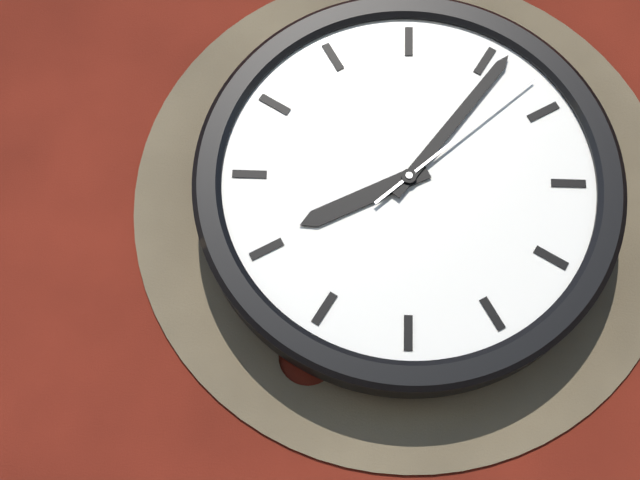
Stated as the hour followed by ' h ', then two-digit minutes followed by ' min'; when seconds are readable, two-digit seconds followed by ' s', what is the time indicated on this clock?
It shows 8 h 06 min 08 s
